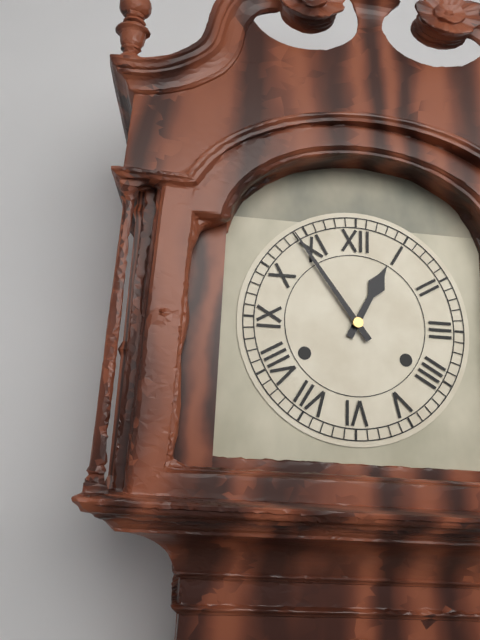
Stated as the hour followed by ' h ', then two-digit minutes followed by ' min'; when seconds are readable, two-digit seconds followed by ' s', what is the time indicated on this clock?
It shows 12 h 54 min
